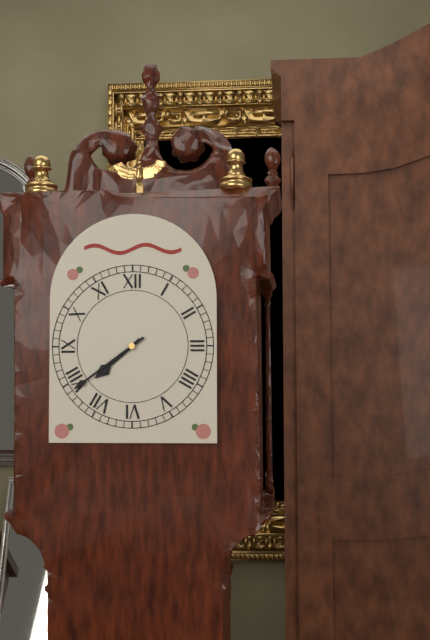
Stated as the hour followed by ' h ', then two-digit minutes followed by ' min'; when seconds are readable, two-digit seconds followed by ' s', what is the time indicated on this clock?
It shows 7 h 39 min
